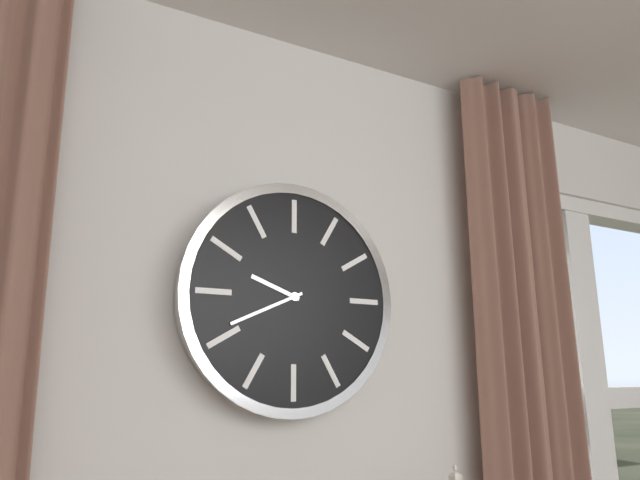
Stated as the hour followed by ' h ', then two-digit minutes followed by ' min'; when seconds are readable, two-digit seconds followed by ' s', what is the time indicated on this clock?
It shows 9 h 41 min
